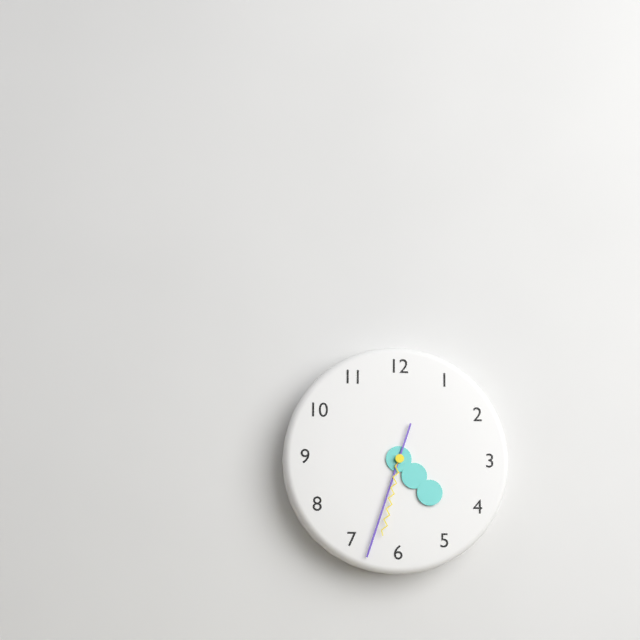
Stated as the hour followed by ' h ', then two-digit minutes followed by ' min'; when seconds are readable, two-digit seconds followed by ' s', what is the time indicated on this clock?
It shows 4 h 33 min 32 s
